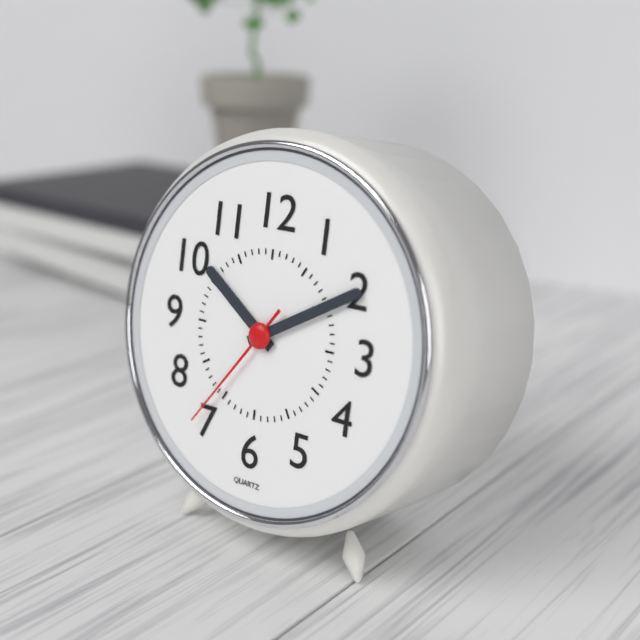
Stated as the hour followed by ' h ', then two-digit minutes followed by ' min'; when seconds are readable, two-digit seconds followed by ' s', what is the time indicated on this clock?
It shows 10 h 10 min 36 s
